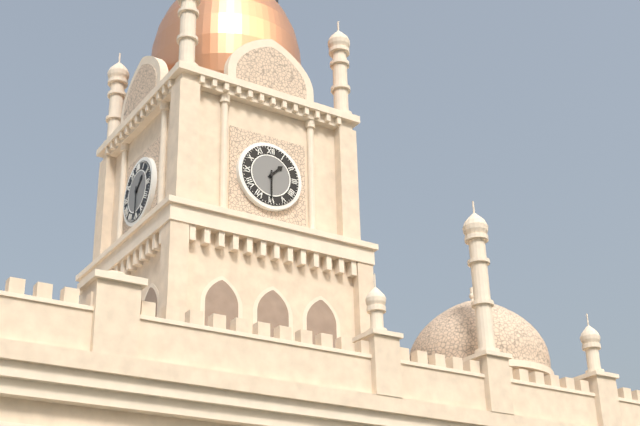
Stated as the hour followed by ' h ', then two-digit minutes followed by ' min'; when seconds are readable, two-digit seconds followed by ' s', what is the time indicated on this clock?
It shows 1 h 30 min
